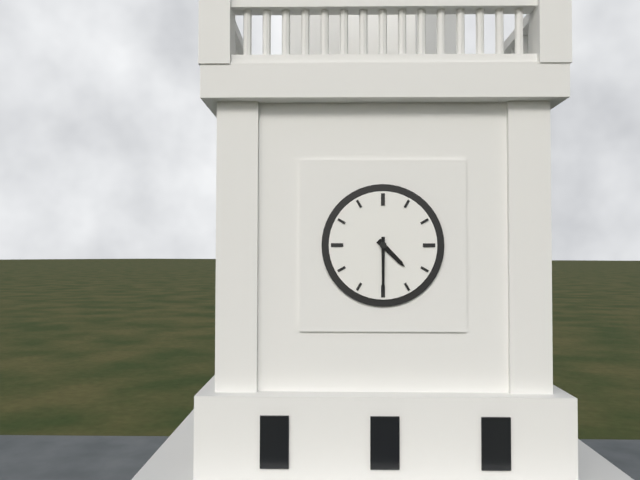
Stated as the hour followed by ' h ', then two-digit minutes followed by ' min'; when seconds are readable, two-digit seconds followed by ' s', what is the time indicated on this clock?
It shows 4 h 30 min
